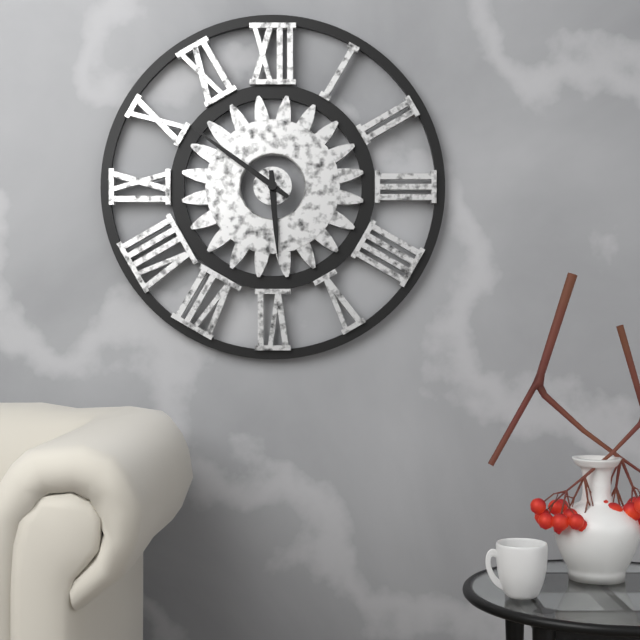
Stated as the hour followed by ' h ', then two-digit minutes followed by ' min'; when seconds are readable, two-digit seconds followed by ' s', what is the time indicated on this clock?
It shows 5 h 51 min
